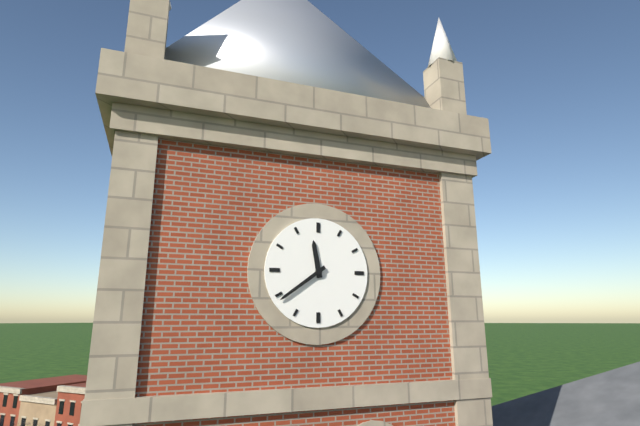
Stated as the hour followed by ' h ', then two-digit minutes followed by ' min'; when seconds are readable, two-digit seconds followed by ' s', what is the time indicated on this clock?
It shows 11 h 39 min
